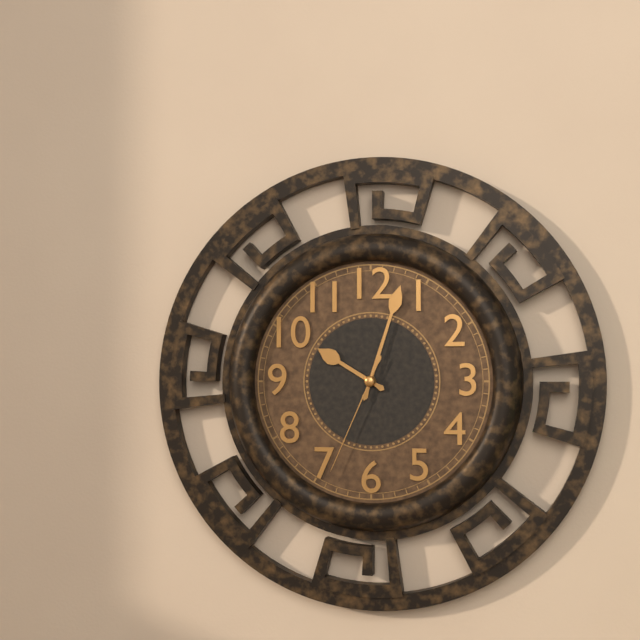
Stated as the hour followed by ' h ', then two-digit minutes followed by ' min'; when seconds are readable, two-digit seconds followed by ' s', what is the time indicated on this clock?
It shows 10 h 03 min 34 s
